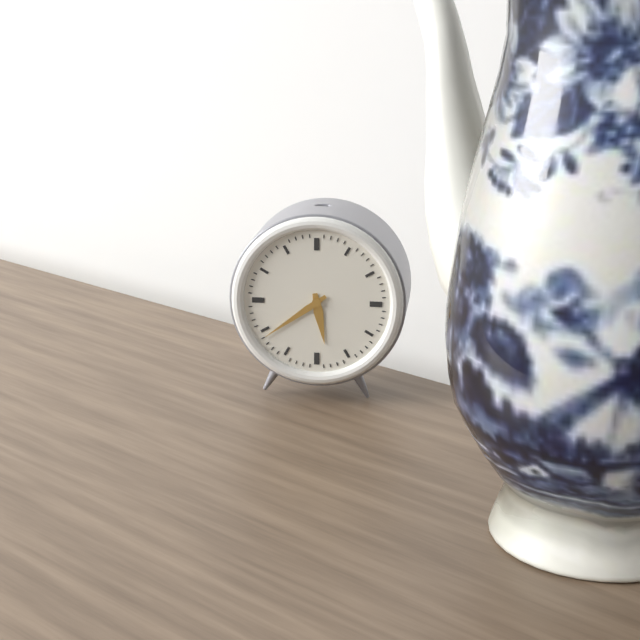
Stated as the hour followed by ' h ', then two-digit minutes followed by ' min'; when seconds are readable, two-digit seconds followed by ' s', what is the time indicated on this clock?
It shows 5 h 39 min
